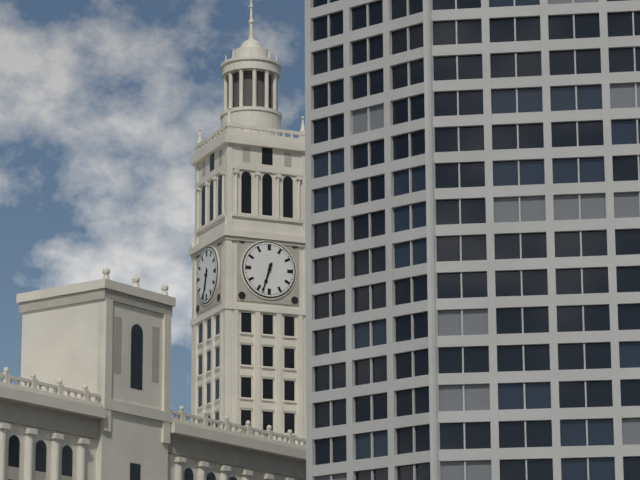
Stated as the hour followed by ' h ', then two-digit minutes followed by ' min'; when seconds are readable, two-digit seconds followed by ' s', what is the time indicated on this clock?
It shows 6 h 33 min
